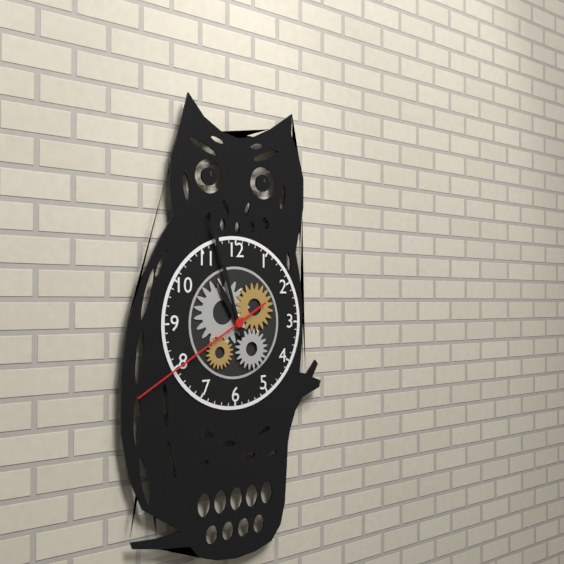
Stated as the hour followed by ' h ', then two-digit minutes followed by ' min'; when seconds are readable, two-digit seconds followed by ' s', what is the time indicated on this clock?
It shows 10 h 57 min 40 s
